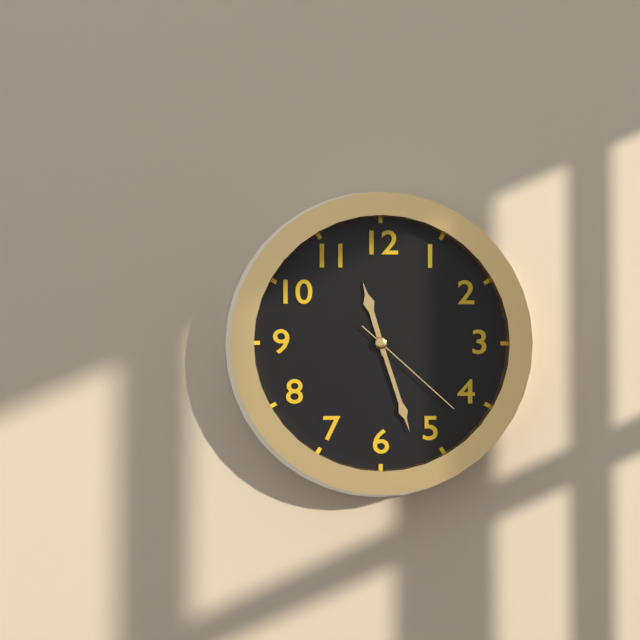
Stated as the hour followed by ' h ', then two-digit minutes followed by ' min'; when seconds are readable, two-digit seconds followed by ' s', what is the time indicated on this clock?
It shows 11 h 27 min 22 s
